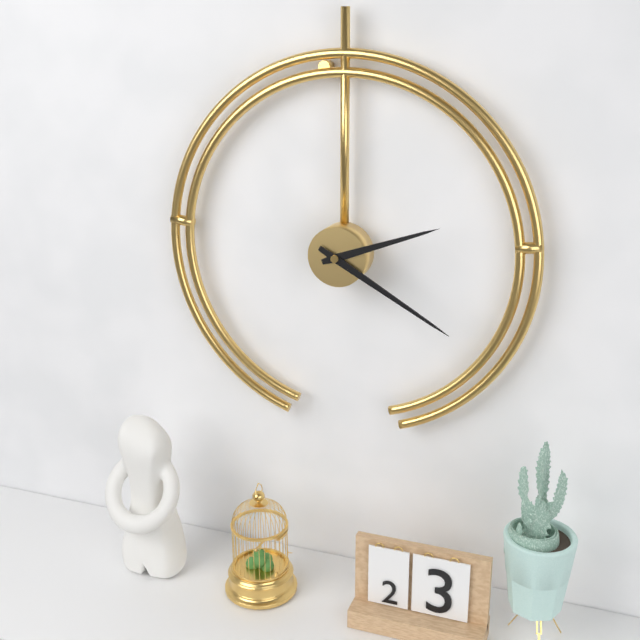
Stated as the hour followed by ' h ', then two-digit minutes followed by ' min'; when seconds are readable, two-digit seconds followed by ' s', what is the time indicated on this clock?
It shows 2 h 20 min
